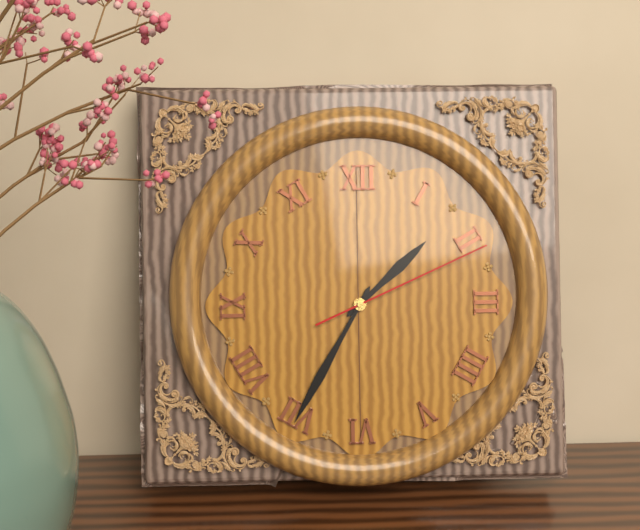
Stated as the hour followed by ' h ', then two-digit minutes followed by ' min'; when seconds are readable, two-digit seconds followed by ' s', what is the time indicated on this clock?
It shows 1 h 35 min 11 s
